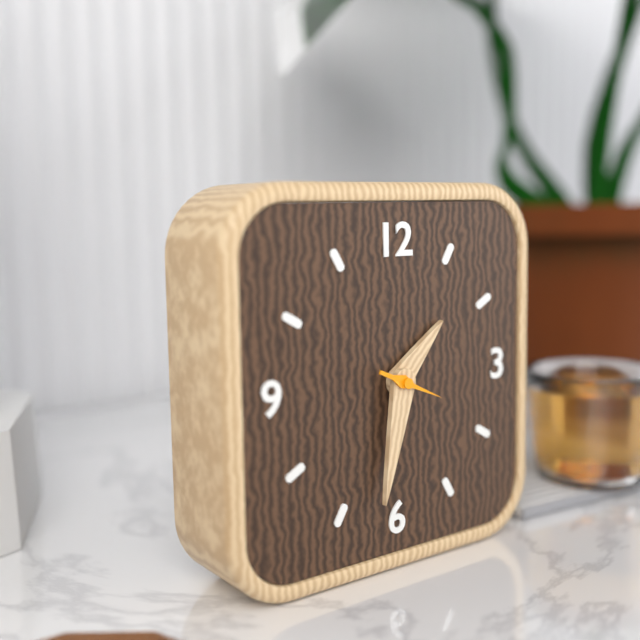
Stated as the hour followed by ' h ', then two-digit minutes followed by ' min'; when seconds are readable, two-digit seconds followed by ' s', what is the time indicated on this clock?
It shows 1 h 32 min
